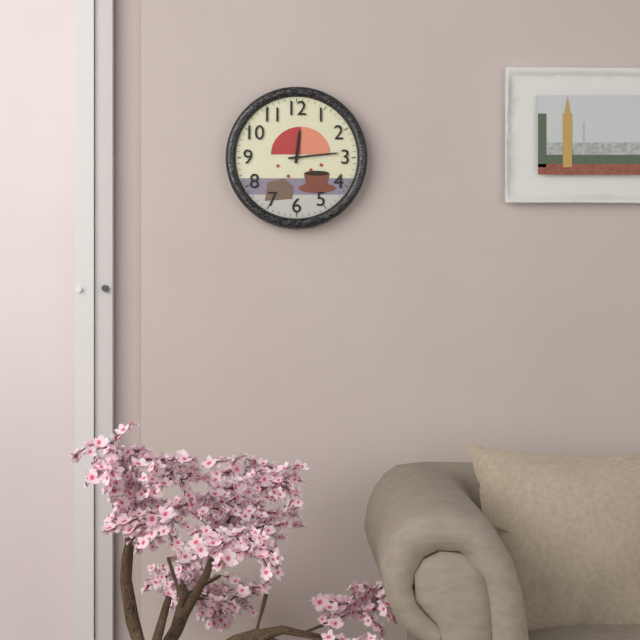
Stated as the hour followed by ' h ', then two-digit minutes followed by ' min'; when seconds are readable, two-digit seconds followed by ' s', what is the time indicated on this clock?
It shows 12 h 14 min
